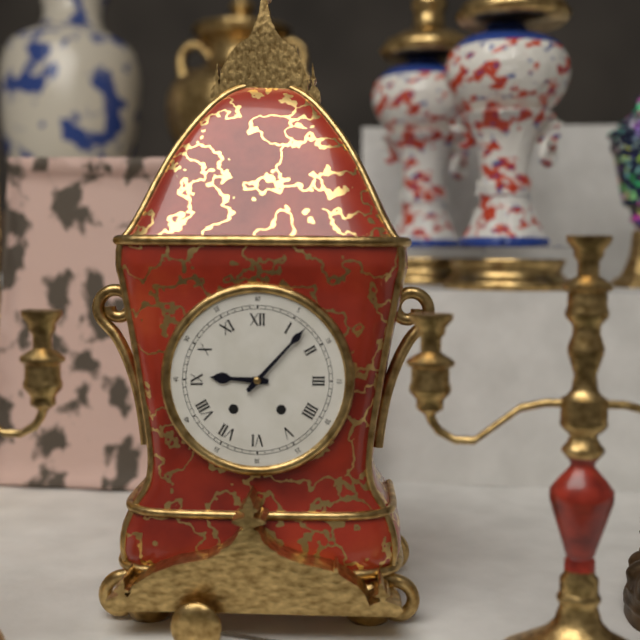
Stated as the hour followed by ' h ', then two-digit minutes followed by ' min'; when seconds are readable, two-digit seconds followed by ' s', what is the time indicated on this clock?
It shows 9 h 07 min
